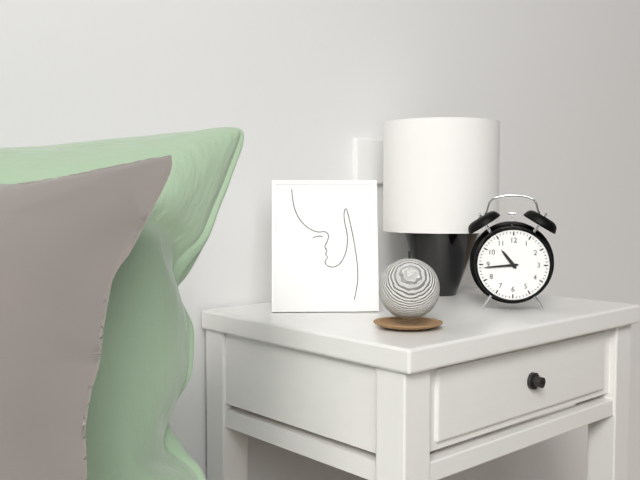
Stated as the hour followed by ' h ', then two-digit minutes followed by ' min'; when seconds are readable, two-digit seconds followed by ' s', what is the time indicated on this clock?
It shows 10 h 44 min
